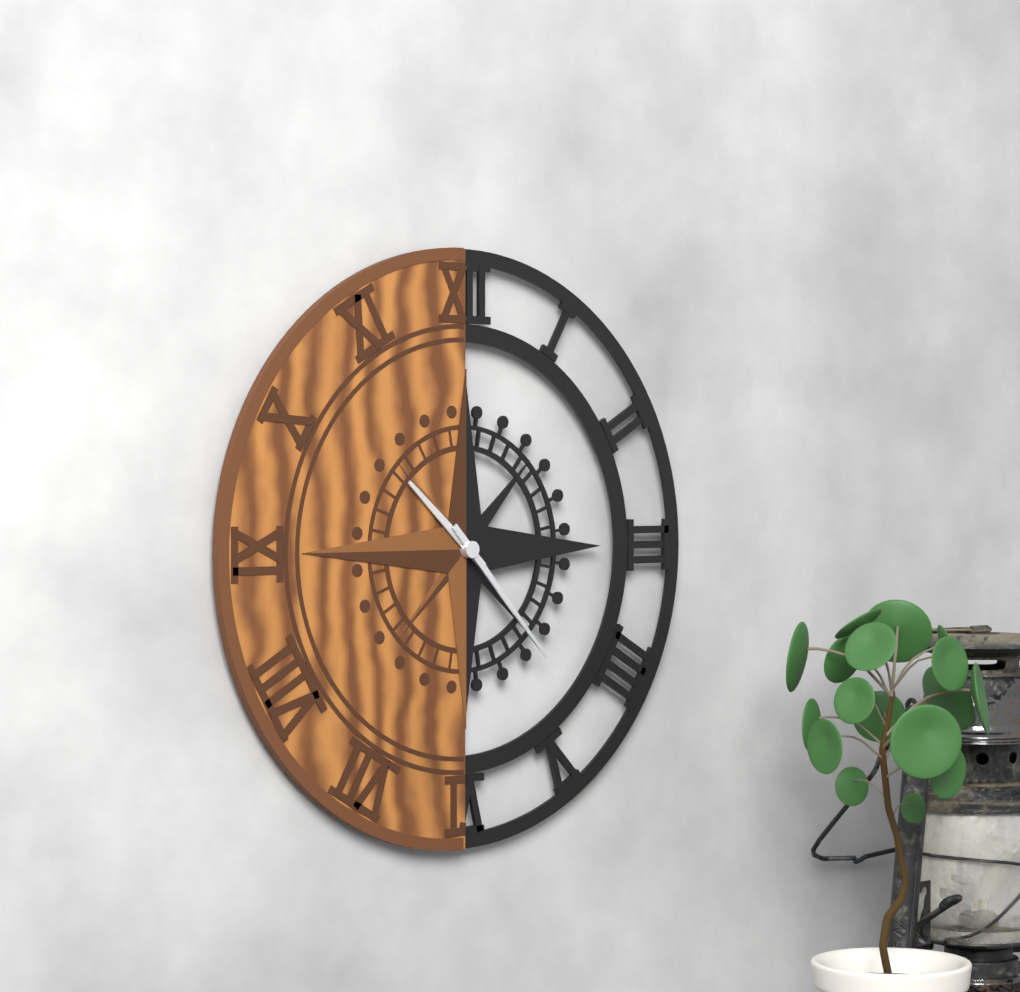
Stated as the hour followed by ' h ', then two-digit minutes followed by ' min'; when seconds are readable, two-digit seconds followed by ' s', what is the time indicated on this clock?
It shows 10 h 23 min
